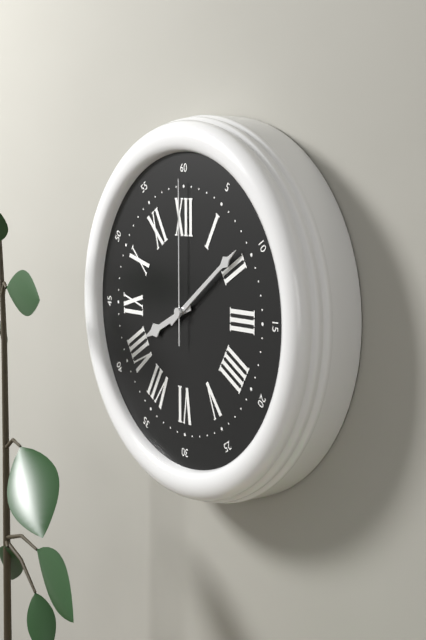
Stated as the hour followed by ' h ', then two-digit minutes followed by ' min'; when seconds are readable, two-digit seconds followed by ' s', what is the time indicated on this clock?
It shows 8 h 09 min 00 s
